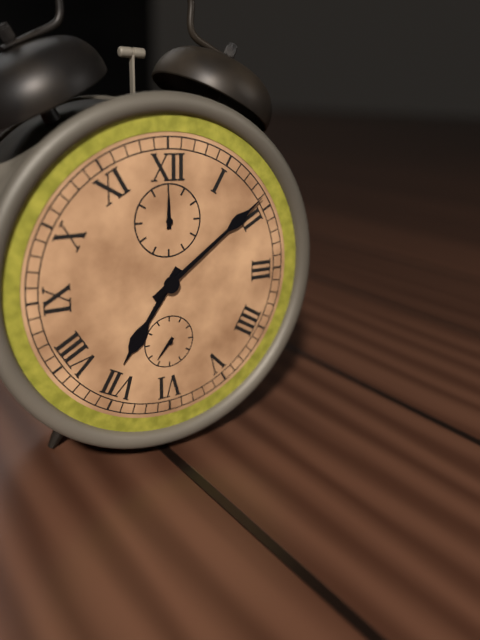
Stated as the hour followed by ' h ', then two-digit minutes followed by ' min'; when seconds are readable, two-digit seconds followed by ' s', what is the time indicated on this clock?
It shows 7 h 09 min
